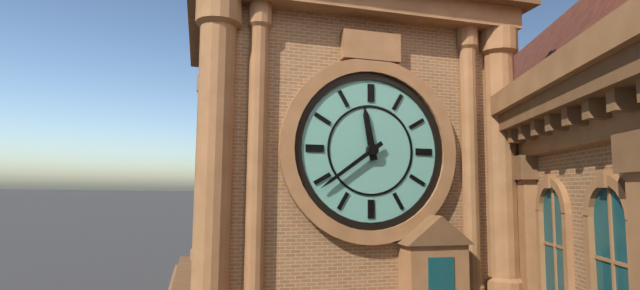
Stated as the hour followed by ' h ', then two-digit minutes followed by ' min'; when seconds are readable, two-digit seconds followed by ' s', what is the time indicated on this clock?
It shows 11 h 39 min
